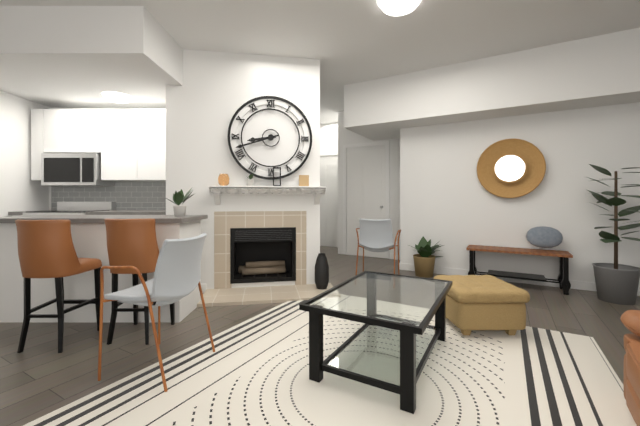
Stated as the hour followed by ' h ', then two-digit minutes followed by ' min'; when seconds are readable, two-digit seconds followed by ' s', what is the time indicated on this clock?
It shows 8 h 42 min
